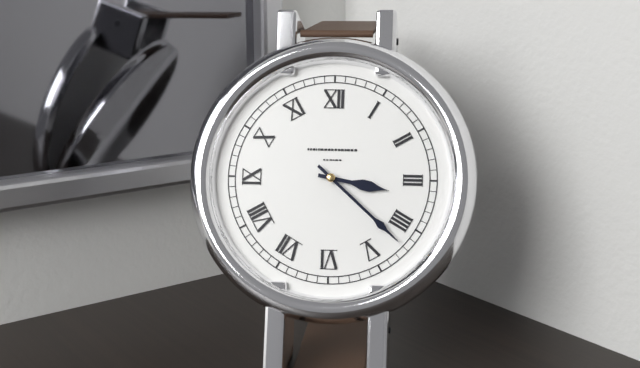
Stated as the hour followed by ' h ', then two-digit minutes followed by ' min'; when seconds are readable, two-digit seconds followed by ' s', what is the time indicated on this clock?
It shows 3 h 22 min
